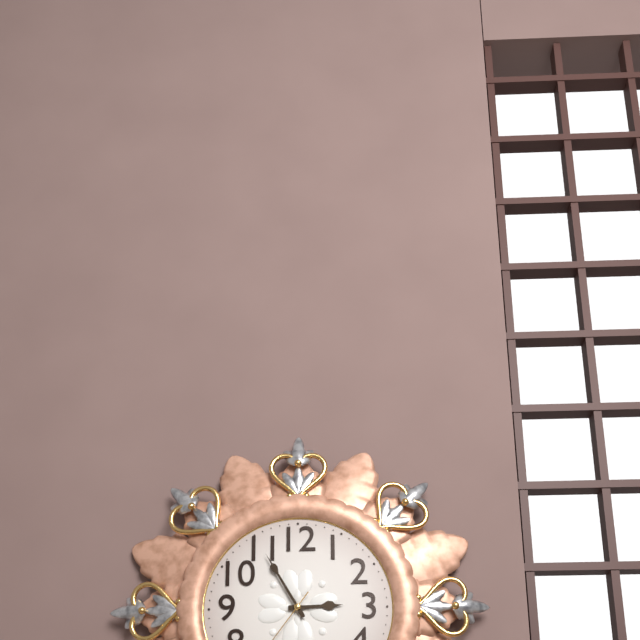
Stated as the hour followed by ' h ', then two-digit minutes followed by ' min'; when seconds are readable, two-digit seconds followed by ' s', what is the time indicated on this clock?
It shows 2 h 55 min
